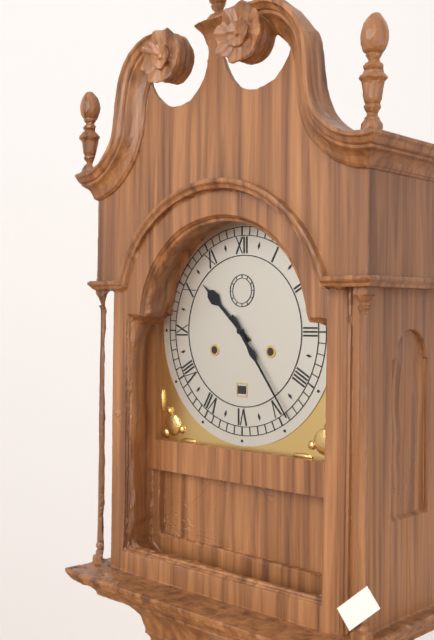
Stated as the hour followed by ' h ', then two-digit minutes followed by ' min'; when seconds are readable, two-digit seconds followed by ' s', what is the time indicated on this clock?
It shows 10 h 24 min
